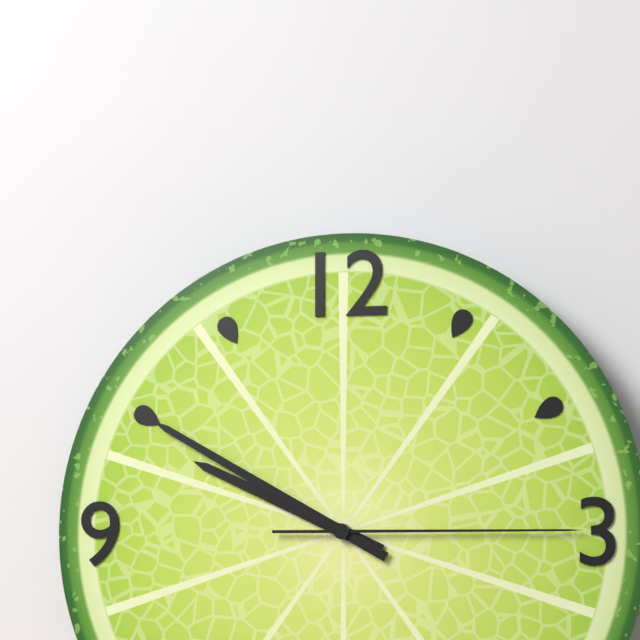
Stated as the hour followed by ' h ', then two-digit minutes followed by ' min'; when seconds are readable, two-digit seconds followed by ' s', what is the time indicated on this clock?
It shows 9 h 50 min 15 s
